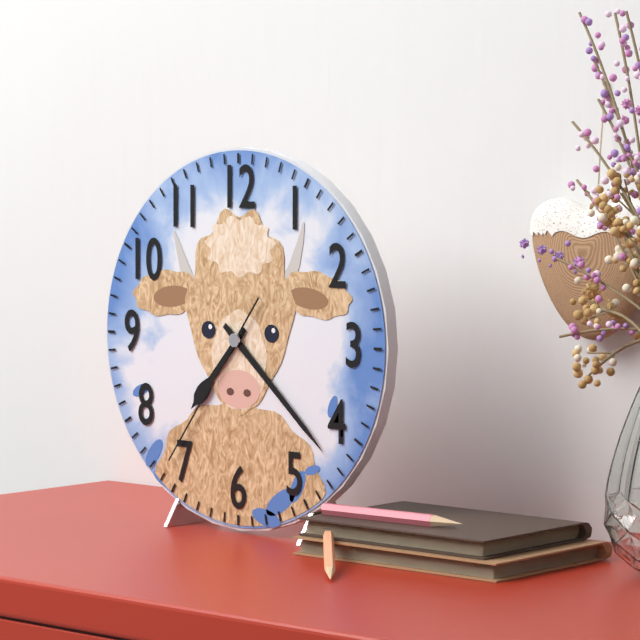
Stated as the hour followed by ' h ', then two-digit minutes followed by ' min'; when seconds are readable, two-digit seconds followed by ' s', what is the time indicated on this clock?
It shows 7 h 22 min 36 s
